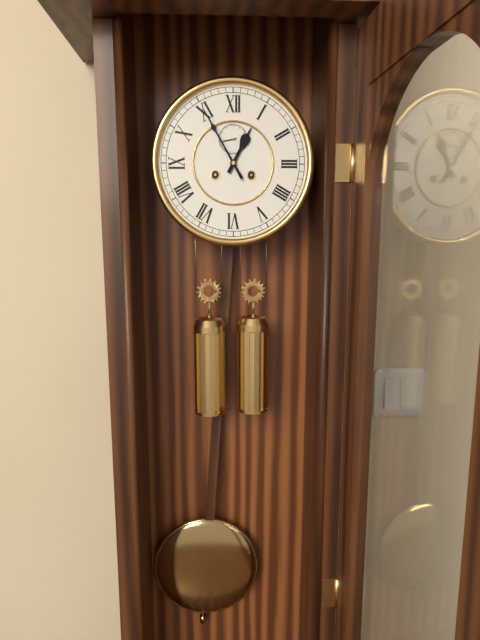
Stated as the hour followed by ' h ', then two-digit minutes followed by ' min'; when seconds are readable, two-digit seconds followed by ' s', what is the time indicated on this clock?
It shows 12 h 55 min
